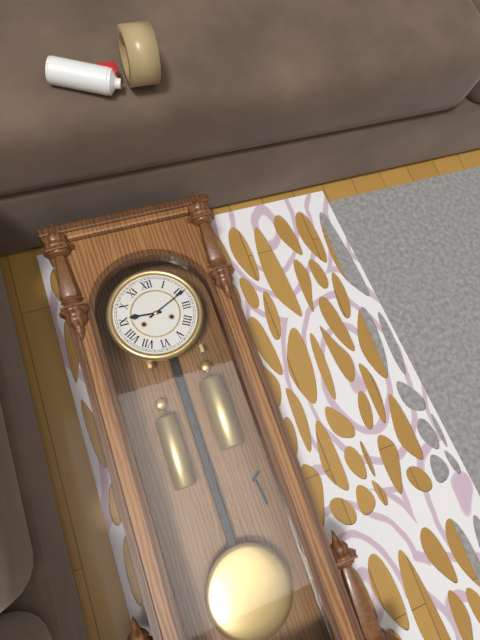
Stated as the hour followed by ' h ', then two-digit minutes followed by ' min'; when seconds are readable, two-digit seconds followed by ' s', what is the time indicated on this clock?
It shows 9 h 11 min
